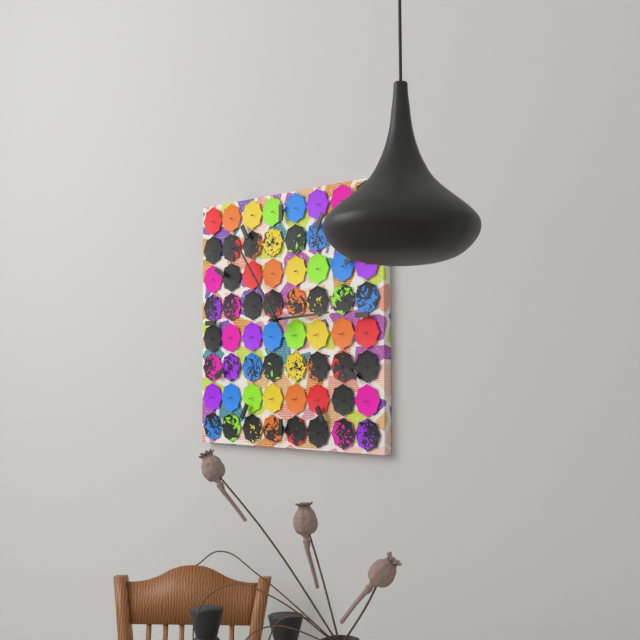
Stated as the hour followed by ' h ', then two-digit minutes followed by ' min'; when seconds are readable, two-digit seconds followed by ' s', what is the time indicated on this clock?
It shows 2 h 54 min
